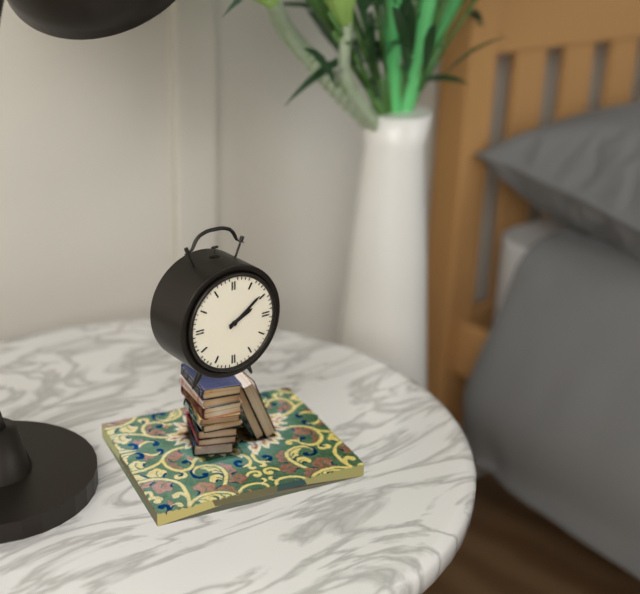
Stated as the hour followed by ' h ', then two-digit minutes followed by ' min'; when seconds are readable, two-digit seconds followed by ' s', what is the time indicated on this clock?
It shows 2 h 09 min
